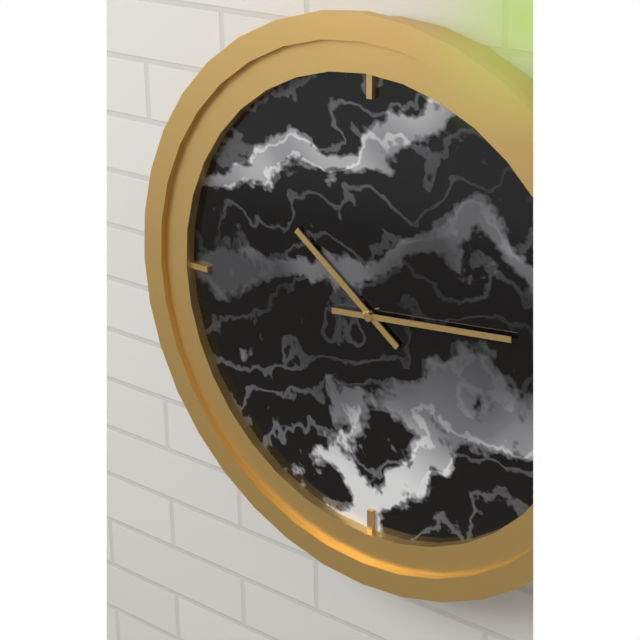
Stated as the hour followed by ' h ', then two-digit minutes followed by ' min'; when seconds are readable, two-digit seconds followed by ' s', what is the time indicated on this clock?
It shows 10 h 14 min
